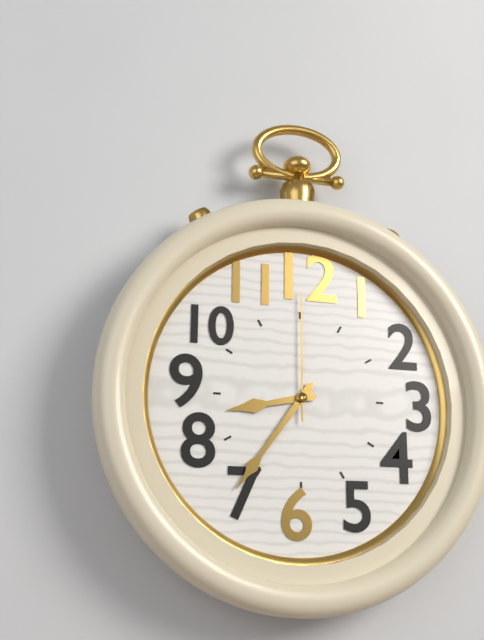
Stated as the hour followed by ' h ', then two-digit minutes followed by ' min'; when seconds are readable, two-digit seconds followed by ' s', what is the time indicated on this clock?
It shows 8 h 36 min 00 s
